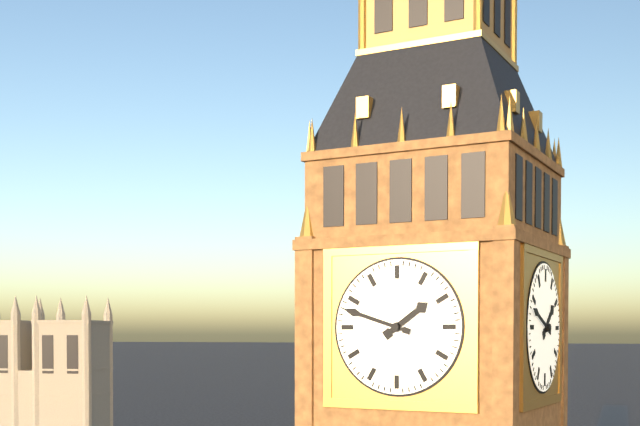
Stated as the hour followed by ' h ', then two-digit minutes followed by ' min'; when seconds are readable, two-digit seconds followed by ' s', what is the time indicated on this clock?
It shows 1 h 48 min
